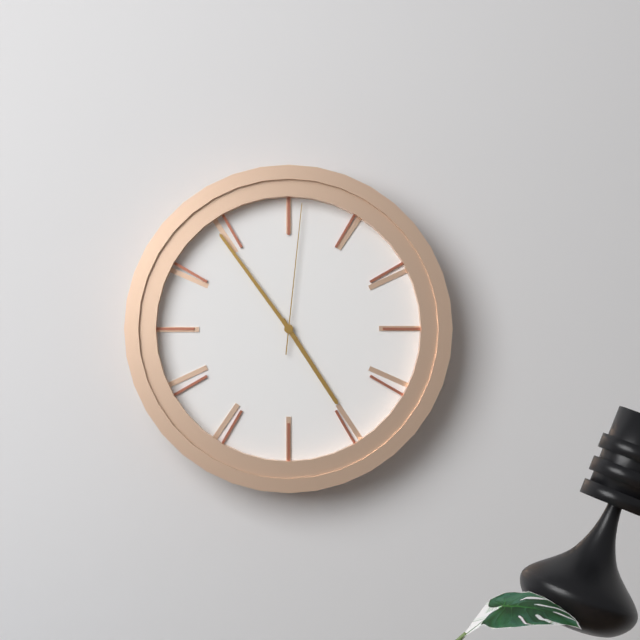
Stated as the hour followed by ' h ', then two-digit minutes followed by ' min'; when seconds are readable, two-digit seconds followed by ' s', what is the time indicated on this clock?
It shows 4 h 54 min 01 s
